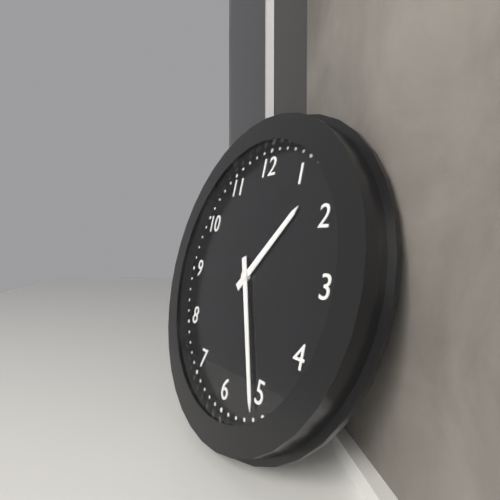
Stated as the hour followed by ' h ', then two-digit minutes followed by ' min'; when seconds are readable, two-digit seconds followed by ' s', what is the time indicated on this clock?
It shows 1 h 26 min
